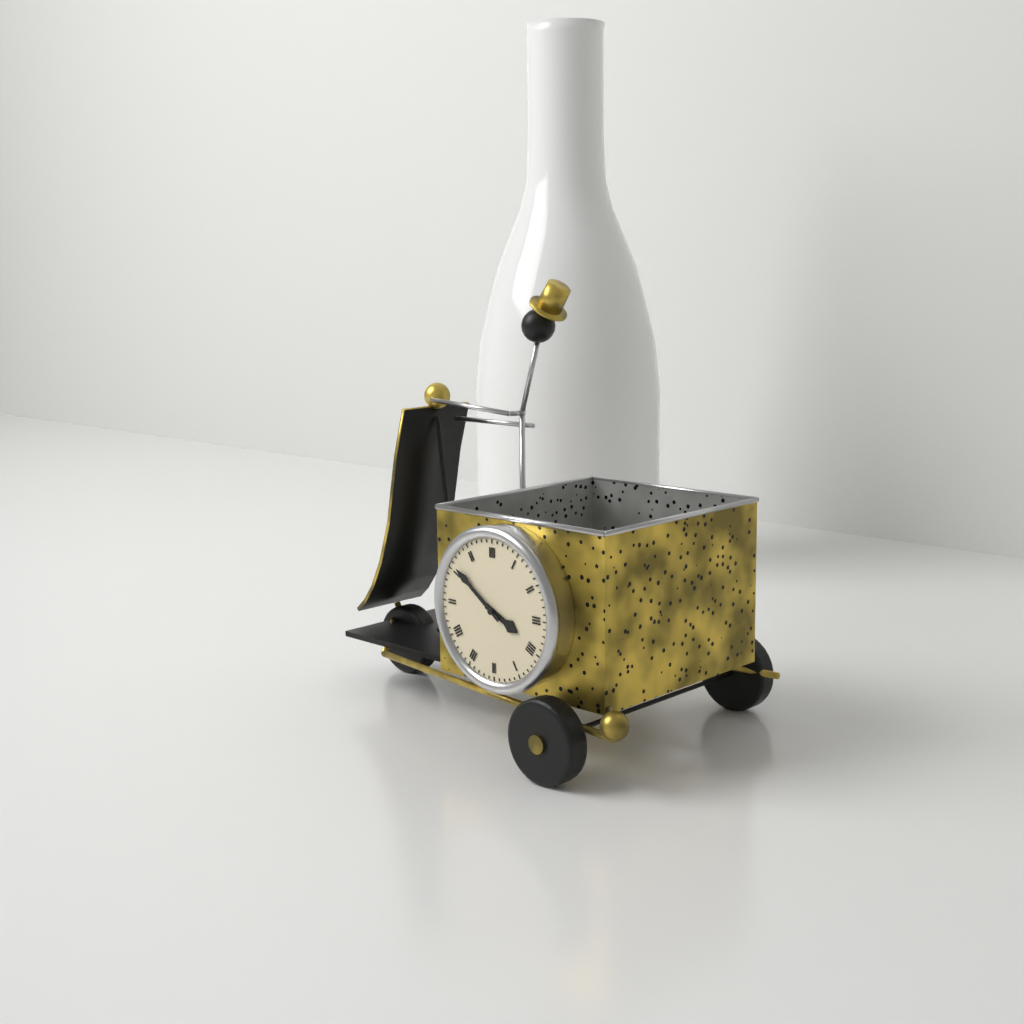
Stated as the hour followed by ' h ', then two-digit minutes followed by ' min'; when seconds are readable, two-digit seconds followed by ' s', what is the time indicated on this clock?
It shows 3 h 51 min
